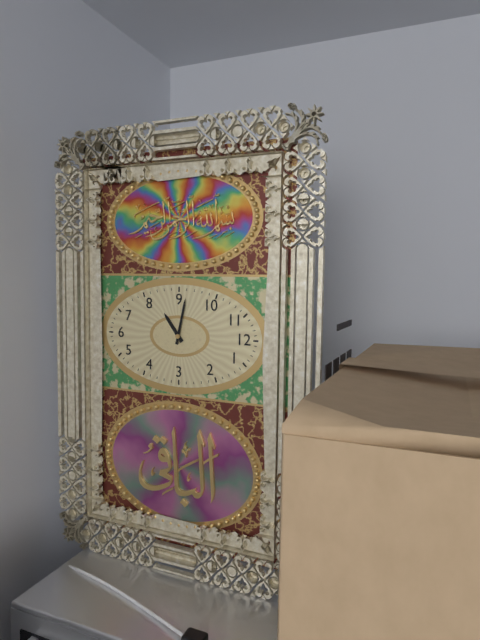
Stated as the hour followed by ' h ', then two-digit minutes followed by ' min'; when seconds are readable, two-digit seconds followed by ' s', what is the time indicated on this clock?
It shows 7 h 47 min
